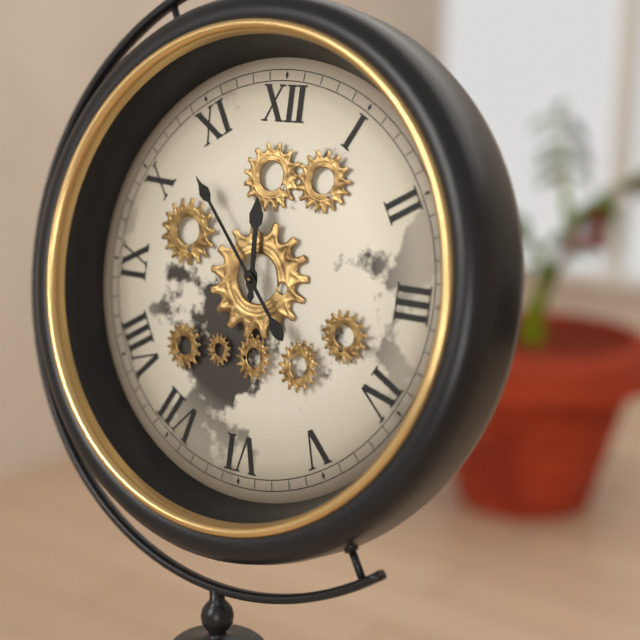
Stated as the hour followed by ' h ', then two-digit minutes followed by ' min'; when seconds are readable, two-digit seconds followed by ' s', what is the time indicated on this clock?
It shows 11 h 53 min
